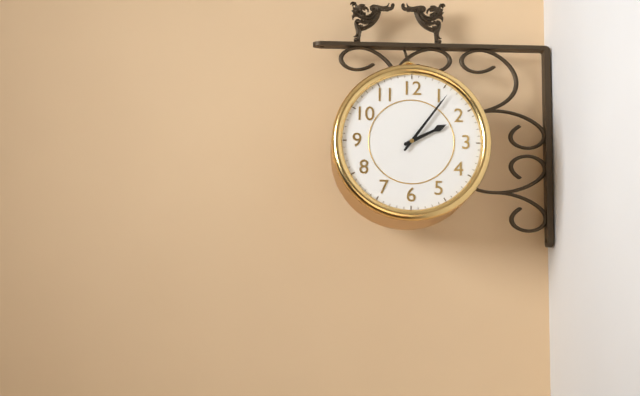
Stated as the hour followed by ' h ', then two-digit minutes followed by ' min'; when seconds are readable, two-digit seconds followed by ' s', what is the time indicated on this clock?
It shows 2 h 06 min
